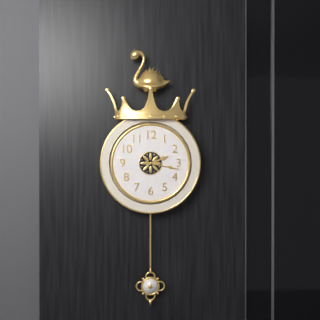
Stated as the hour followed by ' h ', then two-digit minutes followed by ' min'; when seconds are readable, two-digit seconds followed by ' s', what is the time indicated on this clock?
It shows 2 h 17 min
